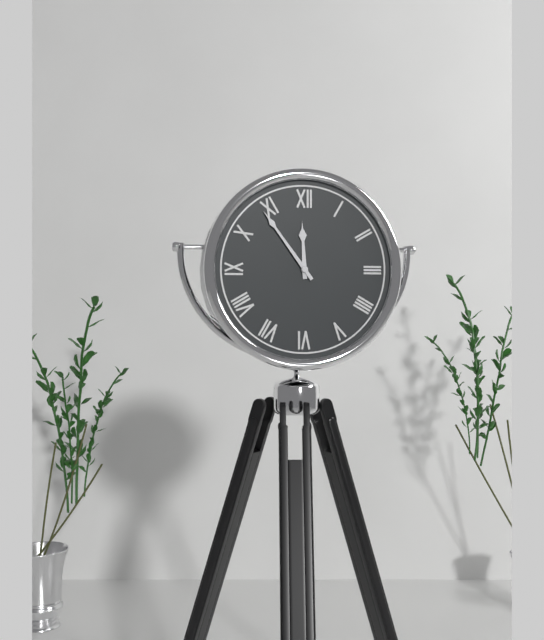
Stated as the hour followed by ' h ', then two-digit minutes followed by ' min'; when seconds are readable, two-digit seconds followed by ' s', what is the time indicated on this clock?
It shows 11 h 54 min
